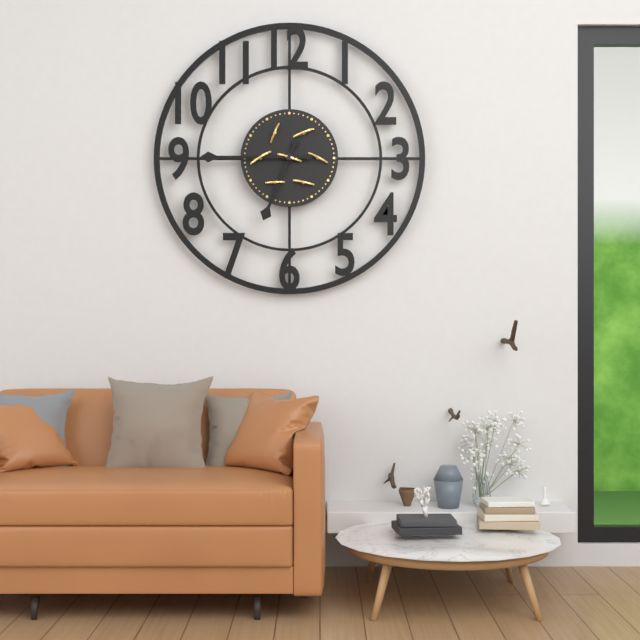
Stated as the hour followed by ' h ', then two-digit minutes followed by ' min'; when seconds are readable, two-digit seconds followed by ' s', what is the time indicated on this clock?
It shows 6 h 45 min
